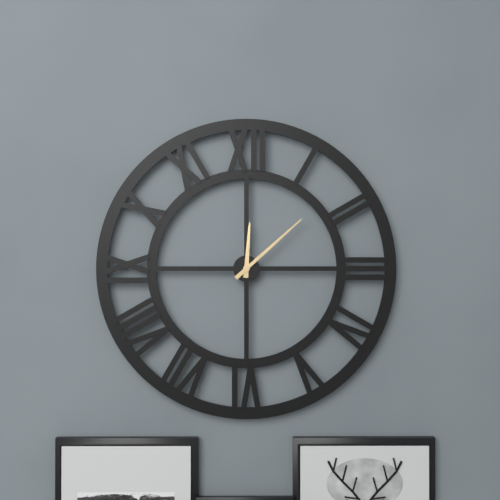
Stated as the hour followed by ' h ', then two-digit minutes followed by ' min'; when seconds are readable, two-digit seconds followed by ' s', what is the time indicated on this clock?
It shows 12 h 08 min
